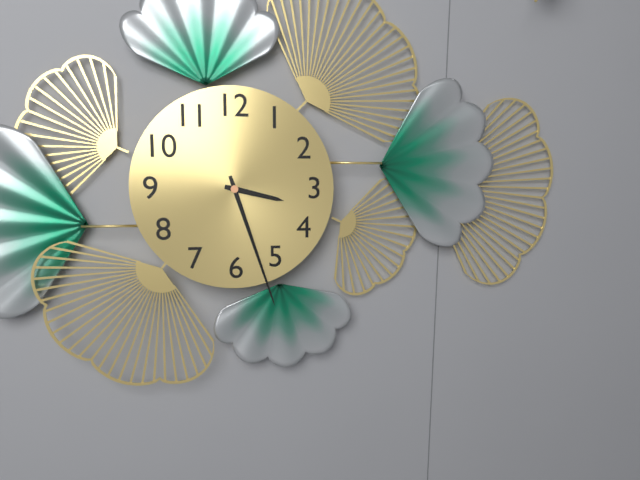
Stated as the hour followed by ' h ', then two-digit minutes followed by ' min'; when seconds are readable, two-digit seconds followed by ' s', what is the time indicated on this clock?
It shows 3 h 27 min
